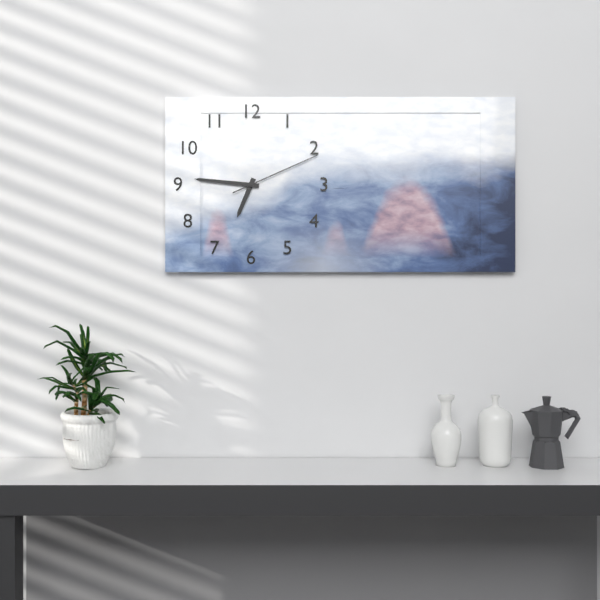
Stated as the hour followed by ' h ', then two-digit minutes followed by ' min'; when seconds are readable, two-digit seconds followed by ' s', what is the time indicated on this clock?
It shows 6 h 46 min 11 s
